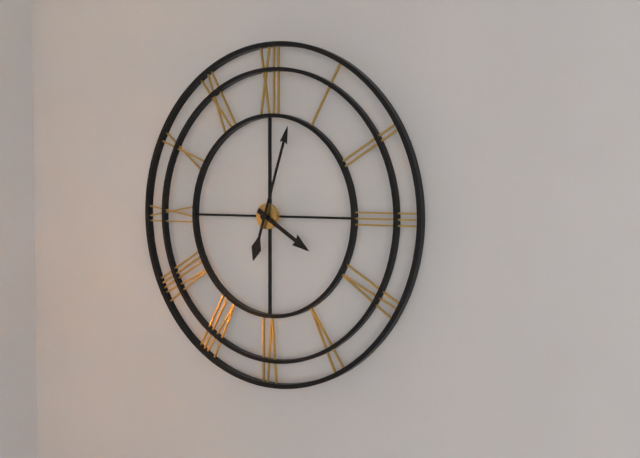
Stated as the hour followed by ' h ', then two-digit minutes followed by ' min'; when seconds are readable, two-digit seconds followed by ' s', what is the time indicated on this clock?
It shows 4 h 03 min
